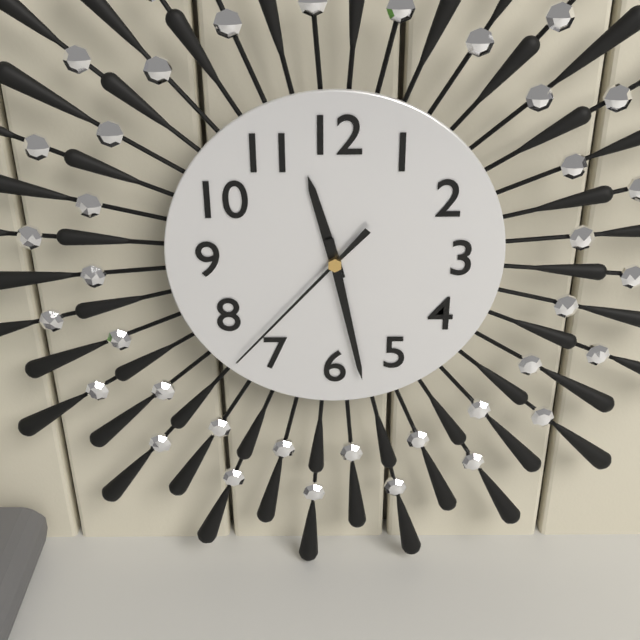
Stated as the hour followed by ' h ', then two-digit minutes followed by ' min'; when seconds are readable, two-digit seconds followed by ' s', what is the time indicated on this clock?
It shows 11 h 28 min 37 s
